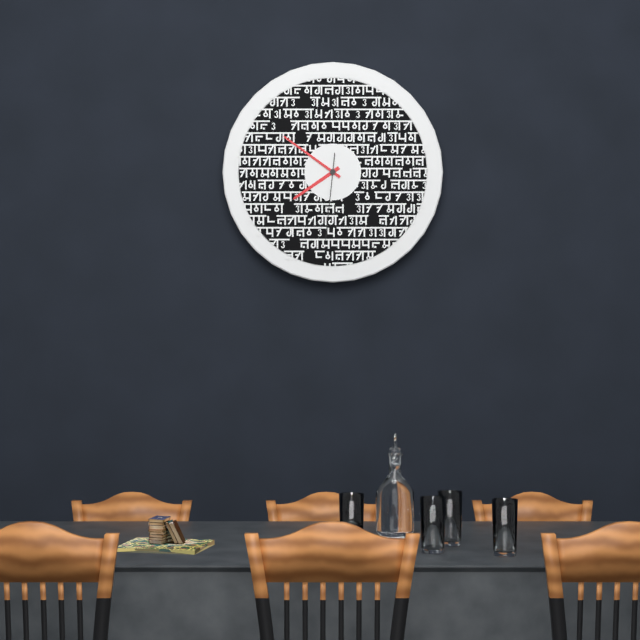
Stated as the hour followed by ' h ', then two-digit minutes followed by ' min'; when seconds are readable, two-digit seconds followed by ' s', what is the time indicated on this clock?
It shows 7 h 51 min 31 s
